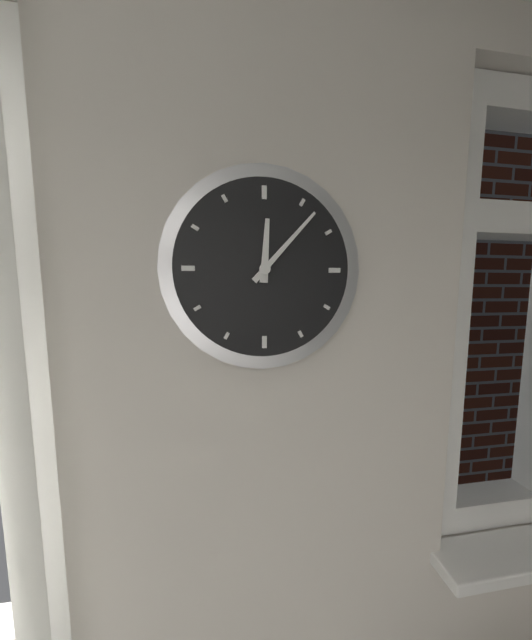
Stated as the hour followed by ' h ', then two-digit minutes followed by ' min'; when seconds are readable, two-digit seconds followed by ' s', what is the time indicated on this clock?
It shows 12 h 07 min
